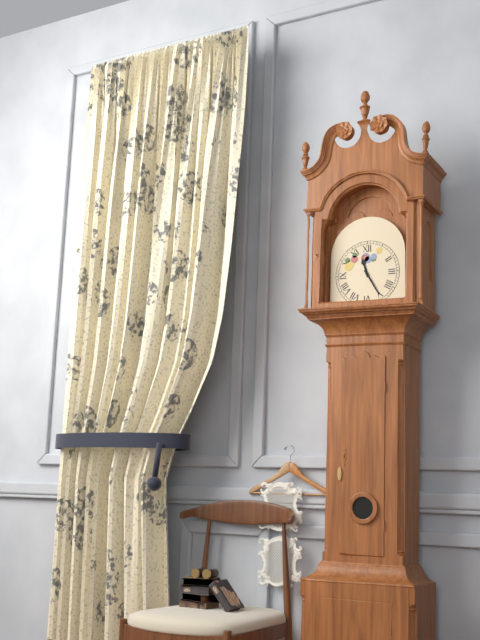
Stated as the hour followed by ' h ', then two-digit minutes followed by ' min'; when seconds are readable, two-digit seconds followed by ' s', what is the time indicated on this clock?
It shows 11 h 25 min
